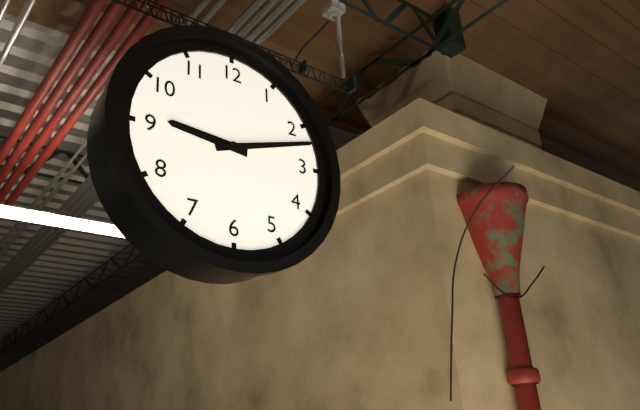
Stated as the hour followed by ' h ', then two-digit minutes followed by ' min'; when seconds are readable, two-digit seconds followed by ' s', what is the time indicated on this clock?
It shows 9 h 12 min
